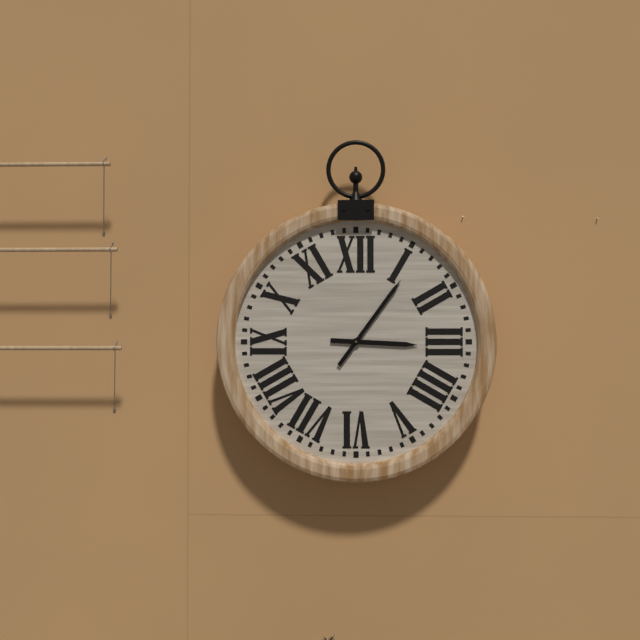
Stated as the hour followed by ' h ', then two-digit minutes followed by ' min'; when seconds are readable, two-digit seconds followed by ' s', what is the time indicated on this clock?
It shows 3 h 06 min
